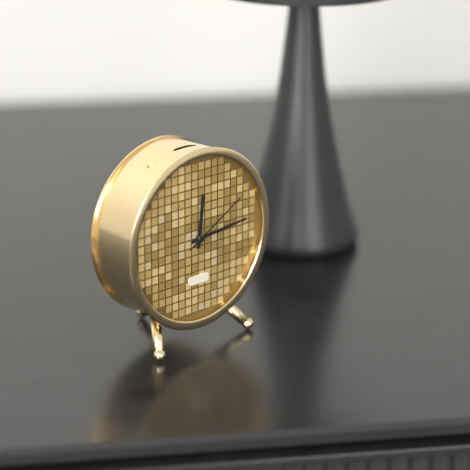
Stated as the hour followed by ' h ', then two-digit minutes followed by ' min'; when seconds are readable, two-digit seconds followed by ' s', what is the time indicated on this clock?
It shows 12 h 14 min 10 s
